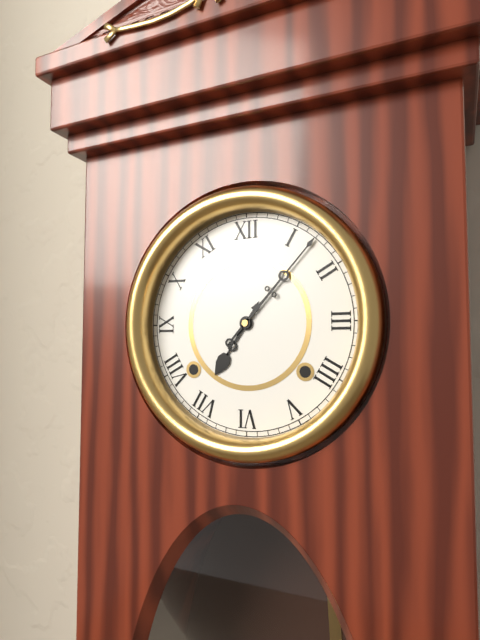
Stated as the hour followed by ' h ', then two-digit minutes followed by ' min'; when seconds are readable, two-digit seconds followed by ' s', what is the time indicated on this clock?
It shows 7 h 07 min
